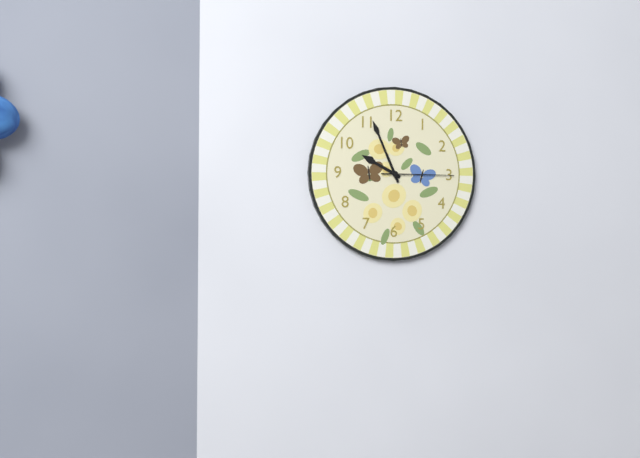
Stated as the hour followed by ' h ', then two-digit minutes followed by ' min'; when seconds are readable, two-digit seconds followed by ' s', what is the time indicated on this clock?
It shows 9 h 56 min 15 s
